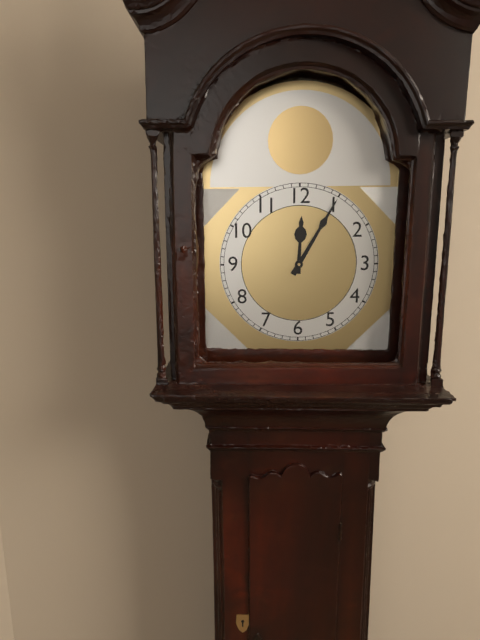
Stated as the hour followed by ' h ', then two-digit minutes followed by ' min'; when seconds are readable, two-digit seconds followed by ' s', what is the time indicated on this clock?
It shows 12 h 05 min
